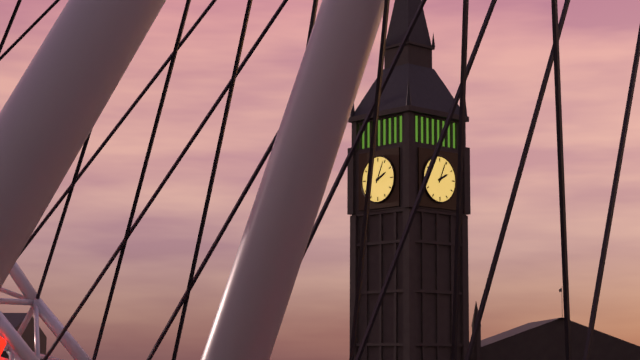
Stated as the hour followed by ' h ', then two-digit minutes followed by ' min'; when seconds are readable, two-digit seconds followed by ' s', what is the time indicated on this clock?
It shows 2 h 04 min
